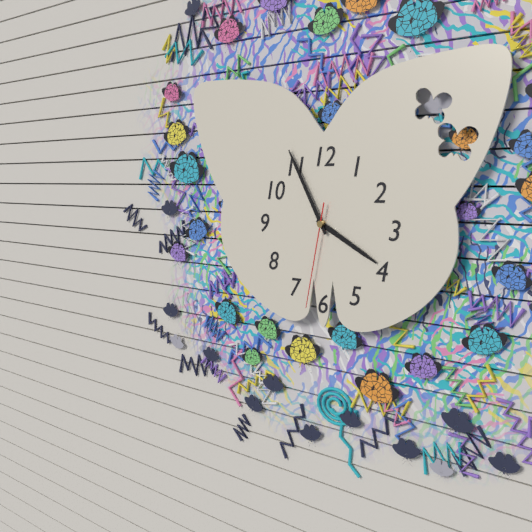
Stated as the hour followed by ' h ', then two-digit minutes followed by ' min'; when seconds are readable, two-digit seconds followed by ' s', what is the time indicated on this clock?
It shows 3 h 55 min 32 s
